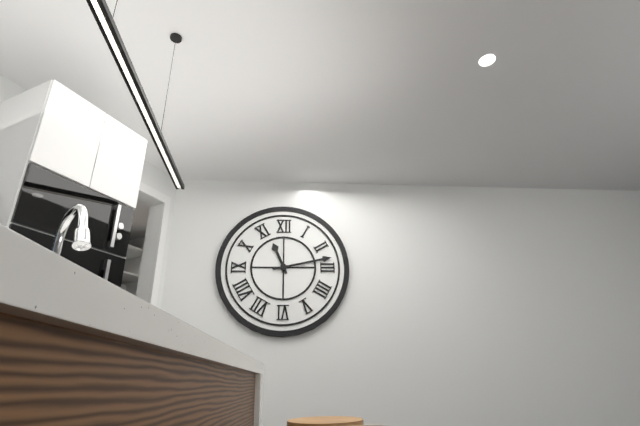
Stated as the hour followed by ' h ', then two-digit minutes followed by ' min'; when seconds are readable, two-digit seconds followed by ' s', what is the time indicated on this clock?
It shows 11 h 13 min
